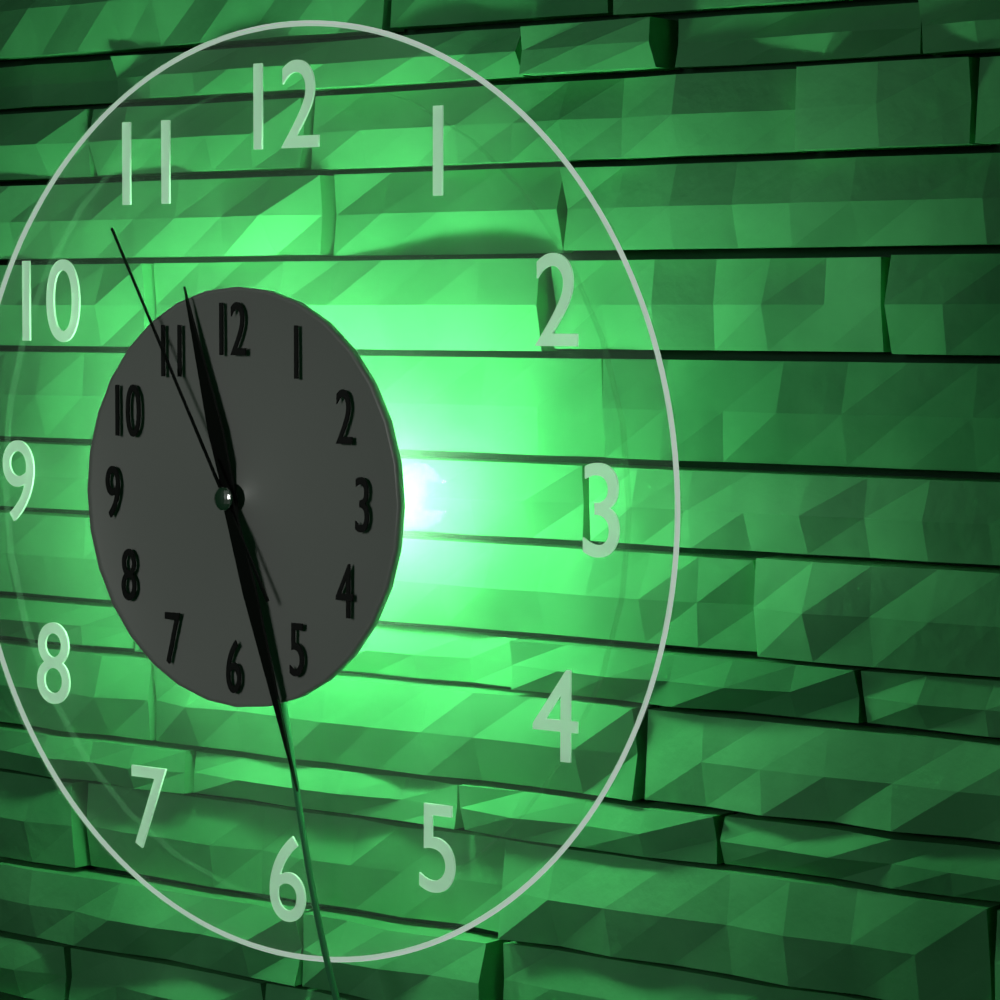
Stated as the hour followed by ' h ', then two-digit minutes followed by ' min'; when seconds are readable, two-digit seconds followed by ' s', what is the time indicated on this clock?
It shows 11 h 27 min 55 s
